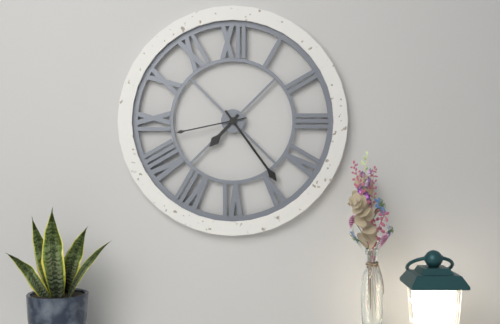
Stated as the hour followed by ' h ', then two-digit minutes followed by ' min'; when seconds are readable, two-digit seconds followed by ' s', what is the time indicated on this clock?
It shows 7 h 24 min 43 s
